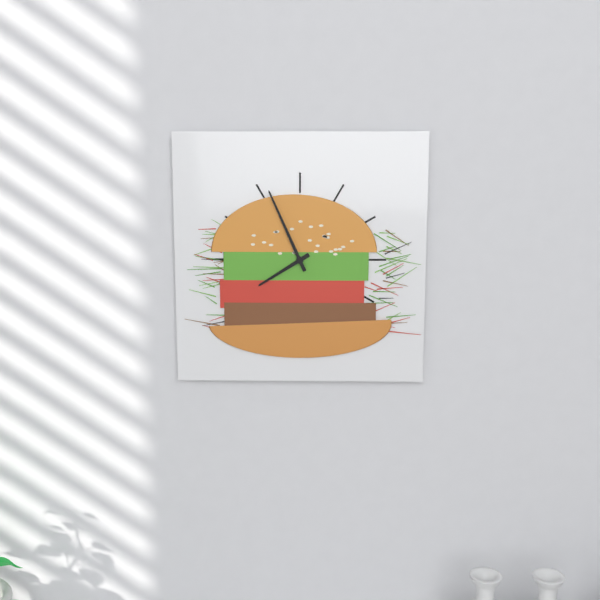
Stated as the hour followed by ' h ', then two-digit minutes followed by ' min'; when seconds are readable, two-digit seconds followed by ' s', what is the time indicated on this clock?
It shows 7 h 56 min
